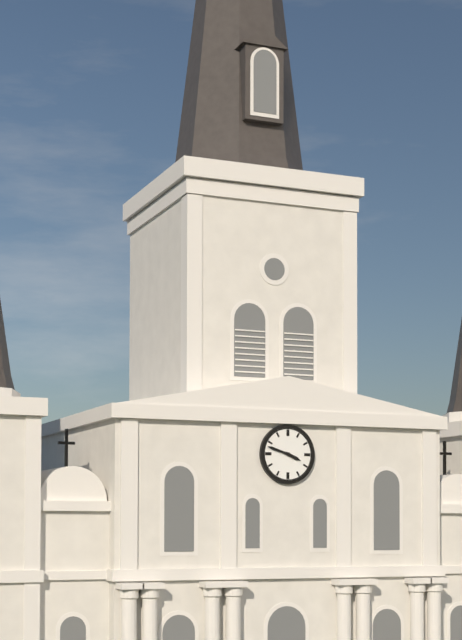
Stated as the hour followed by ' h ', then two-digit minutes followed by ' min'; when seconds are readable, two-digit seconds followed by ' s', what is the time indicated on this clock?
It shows 3 h 48 min
